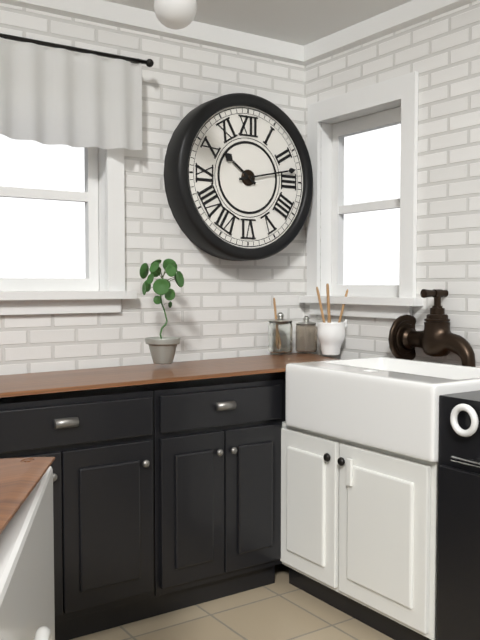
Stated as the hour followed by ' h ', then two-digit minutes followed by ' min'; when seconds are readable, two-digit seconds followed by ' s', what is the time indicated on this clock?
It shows 10 h 13 min
